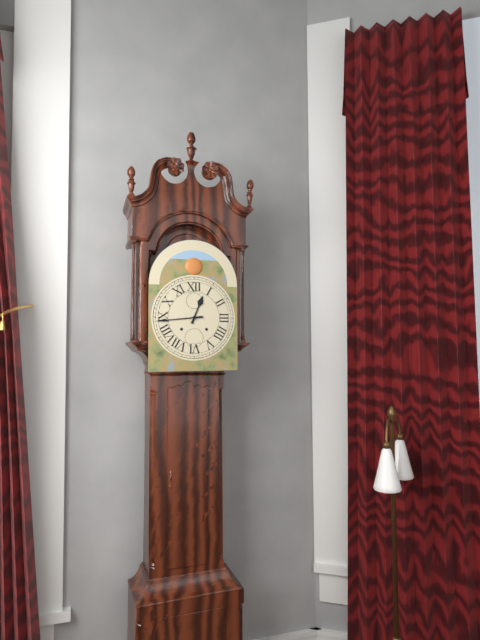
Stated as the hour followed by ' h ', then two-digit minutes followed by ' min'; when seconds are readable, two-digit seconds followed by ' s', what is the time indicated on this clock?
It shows 12 h 44 min
